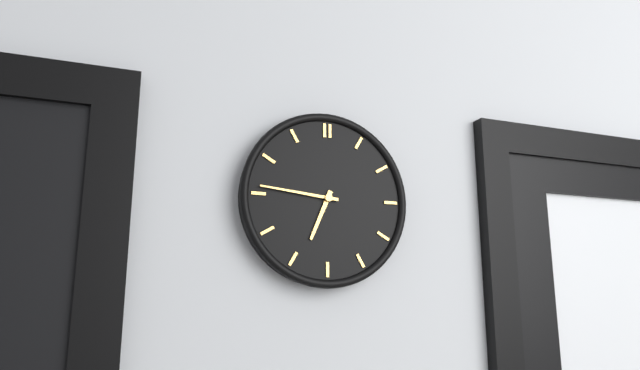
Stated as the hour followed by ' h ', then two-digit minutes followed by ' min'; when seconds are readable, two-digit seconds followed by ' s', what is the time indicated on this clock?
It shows 6 h 46 min
